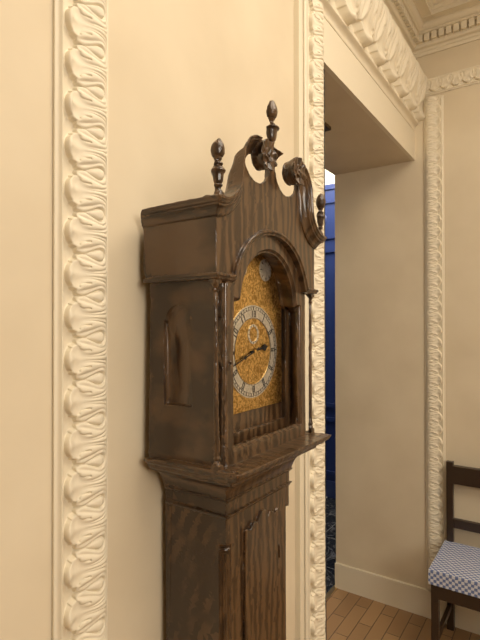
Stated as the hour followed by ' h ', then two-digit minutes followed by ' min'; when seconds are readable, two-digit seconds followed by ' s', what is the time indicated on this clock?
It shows 2 h 42 min
